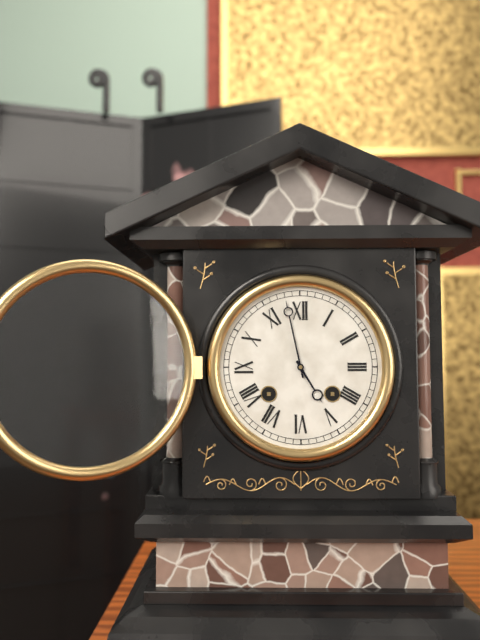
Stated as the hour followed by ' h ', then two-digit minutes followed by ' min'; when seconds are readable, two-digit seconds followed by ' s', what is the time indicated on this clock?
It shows 4 h 58 min
